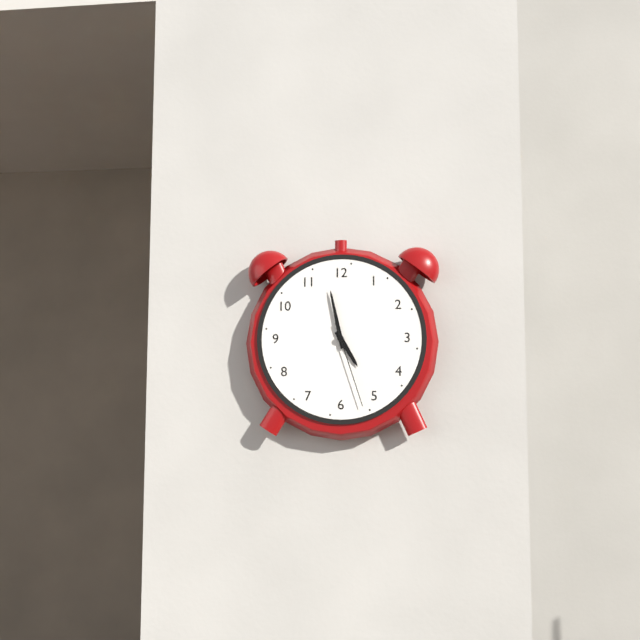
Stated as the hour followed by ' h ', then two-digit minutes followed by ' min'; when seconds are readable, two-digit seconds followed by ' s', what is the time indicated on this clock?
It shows 4 h 58 min 27 s
